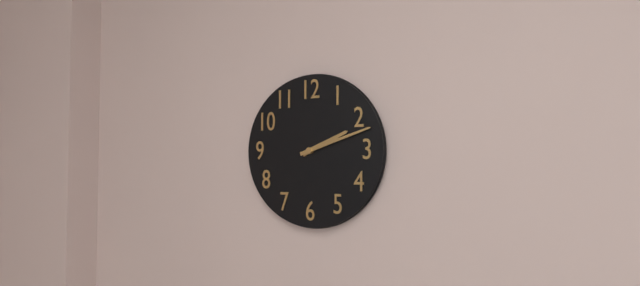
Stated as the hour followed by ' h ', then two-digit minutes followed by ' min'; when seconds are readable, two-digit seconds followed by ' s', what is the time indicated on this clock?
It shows 2 h 12 min
